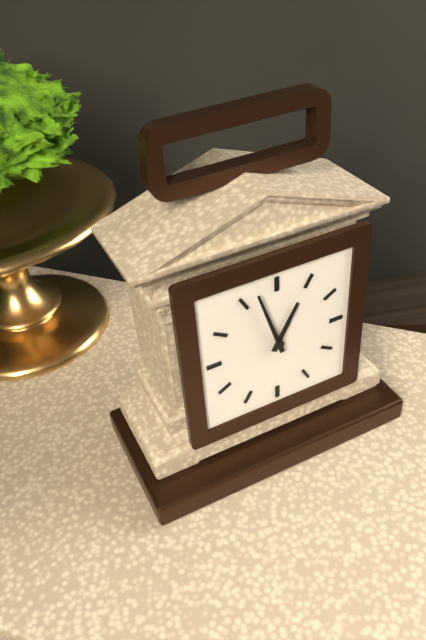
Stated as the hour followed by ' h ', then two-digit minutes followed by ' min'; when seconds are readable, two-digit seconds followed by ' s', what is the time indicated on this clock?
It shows 12 h 57 min
